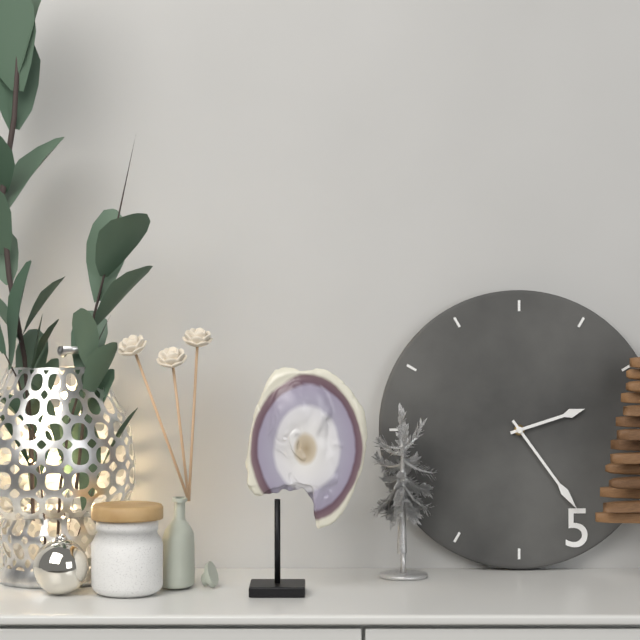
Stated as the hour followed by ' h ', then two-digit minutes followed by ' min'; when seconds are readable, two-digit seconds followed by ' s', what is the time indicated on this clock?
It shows 2 h 24 min
